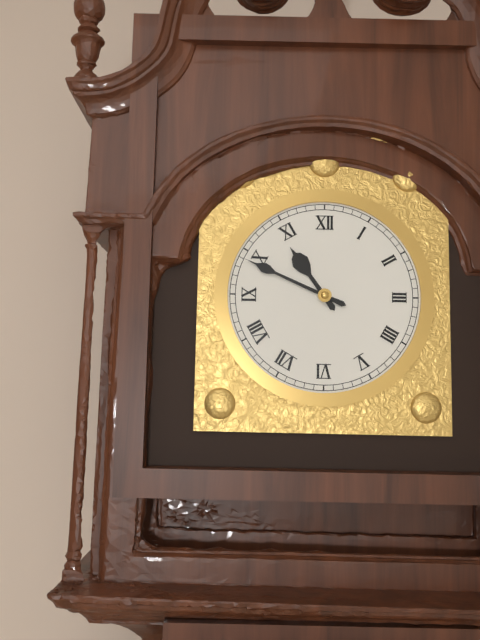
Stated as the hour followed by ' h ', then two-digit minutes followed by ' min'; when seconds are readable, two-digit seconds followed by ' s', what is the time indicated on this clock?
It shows 10 h 49 min
